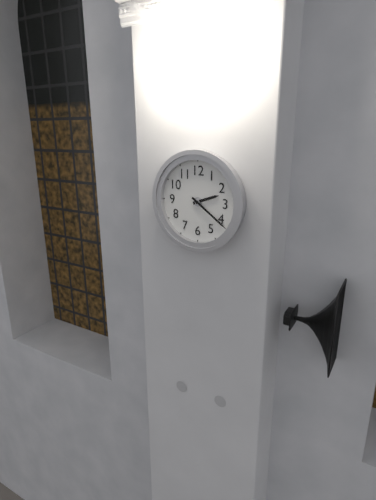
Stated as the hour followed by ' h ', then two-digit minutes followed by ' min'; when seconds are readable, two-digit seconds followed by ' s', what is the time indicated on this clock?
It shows 2 h 21 min
